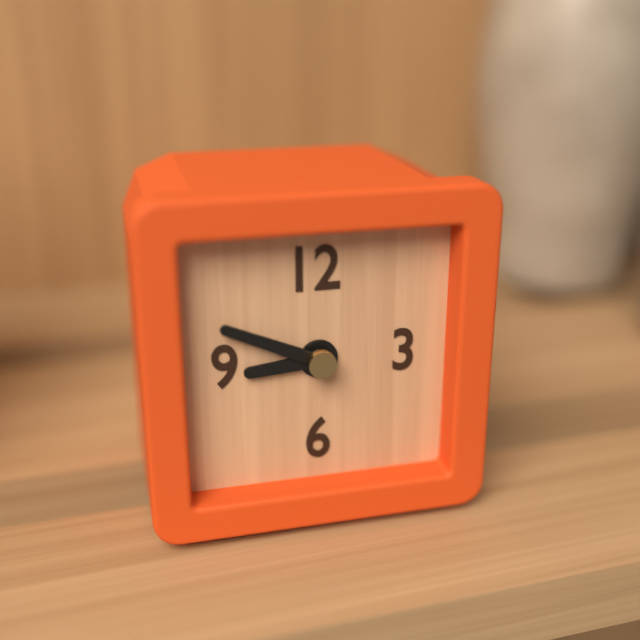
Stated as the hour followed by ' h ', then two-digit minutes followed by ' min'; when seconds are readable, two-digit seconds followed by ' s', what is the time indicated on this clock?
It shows 8 h 49 min
